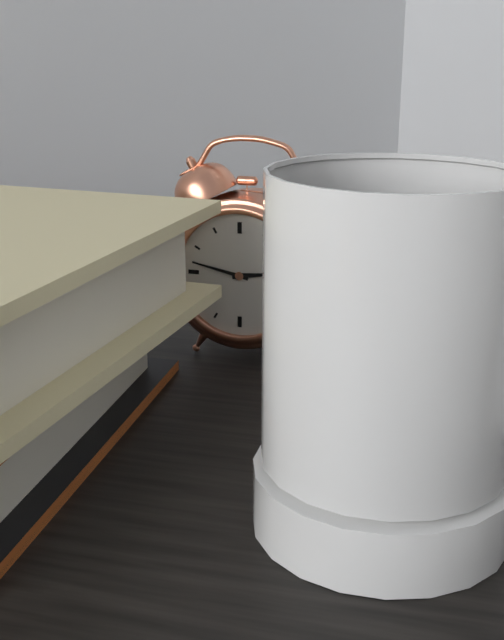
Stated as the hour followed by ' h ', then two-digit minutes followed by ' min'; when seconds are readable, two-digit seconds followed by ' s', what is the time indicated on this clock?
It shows 2 h 47 min
